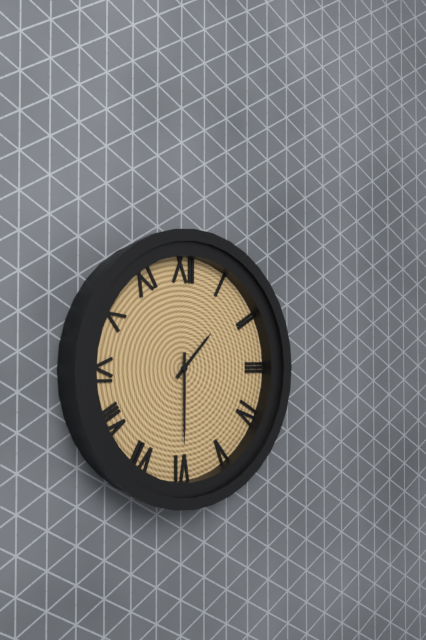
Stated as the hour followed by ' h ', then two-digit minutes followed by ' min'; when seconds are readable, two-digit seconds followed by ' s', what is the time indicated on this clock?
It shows 1 h 30 min
